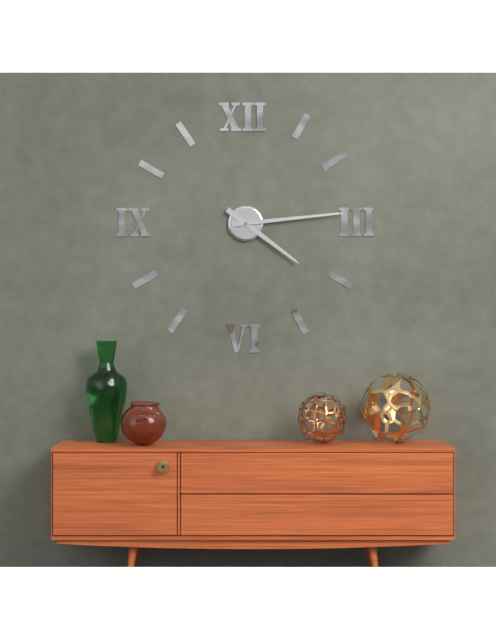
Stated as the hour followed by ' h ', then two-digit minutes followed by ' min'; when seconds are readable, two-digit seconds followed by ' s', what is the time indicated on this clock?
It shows 4 h 14 min
